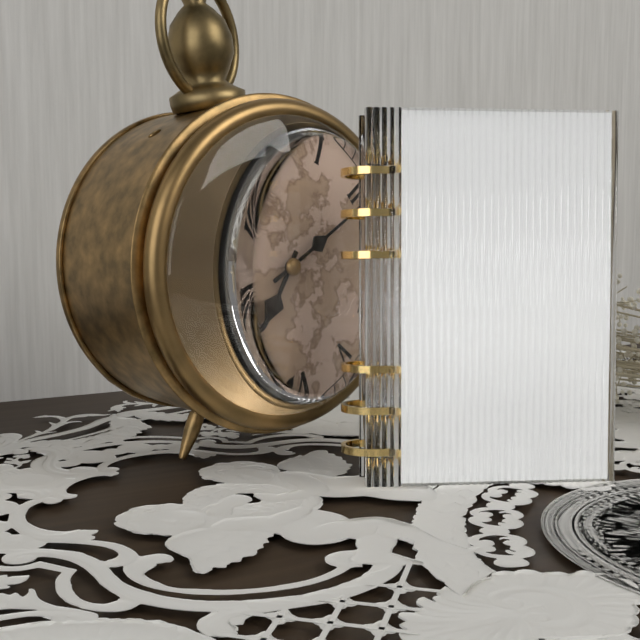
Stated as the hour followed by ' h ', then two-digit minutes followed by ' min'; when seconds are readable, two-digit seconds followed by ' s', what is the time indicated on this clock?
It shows 7 h 11 min
